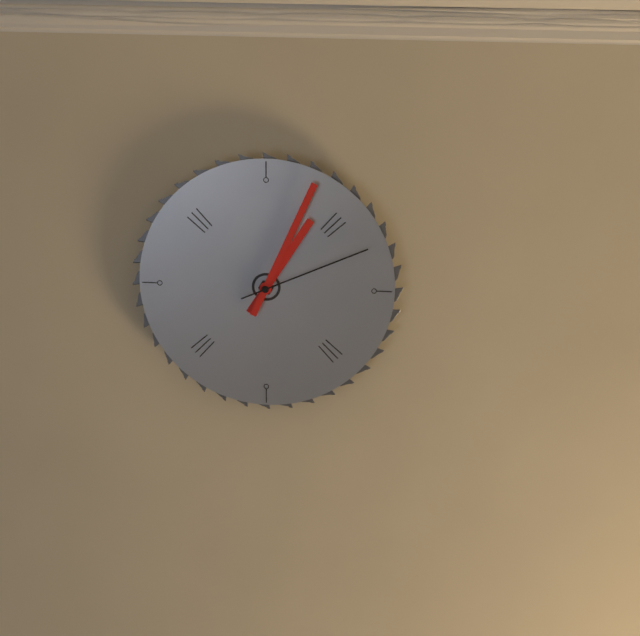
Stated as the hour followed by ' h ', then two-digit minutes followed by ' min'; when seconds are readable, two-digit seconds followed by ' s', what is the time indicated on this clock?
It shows 1 h 04 min 11 s
